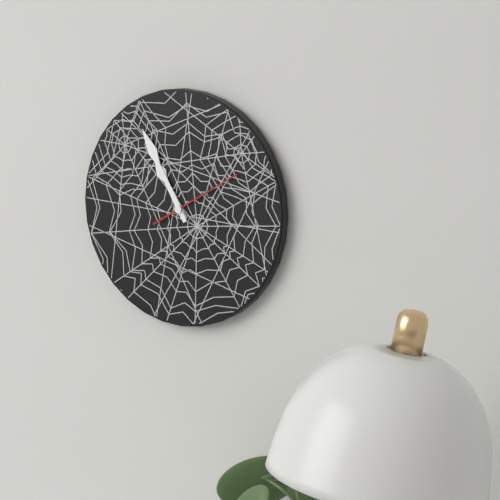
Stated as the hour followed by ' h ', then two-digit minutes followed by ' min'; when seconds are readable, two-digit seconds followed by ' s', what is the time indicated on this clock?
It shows 10 h 55 min 10 s
